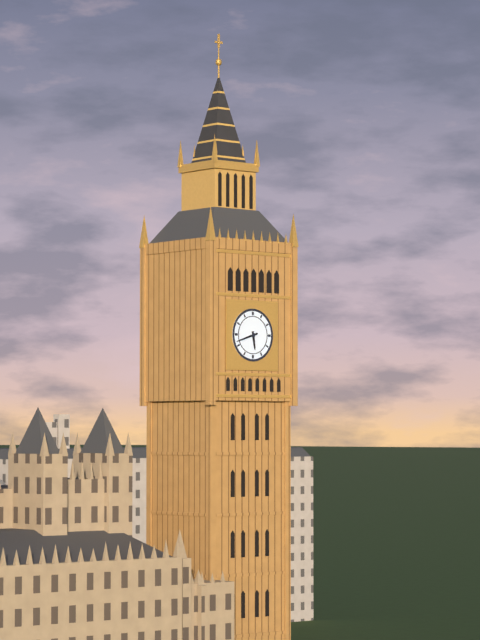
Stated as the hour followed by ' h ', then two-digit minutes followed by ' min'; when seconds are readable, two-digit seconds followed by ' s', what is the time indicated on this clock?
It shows 5 h 42 min
